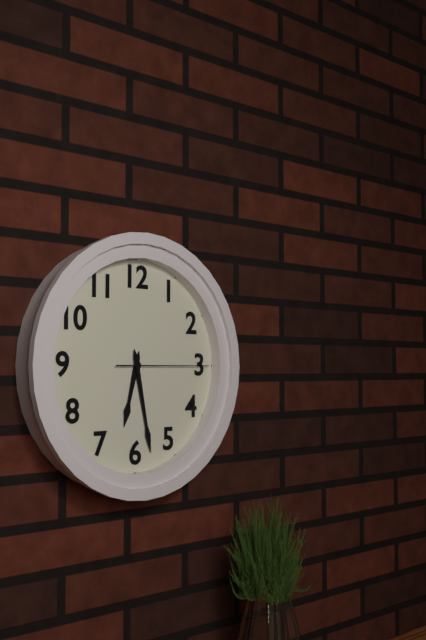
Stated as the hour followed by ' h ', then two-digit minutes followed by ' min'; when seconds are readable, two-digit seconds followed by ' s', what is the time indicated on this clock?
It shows 6 h 28 min 15 s
